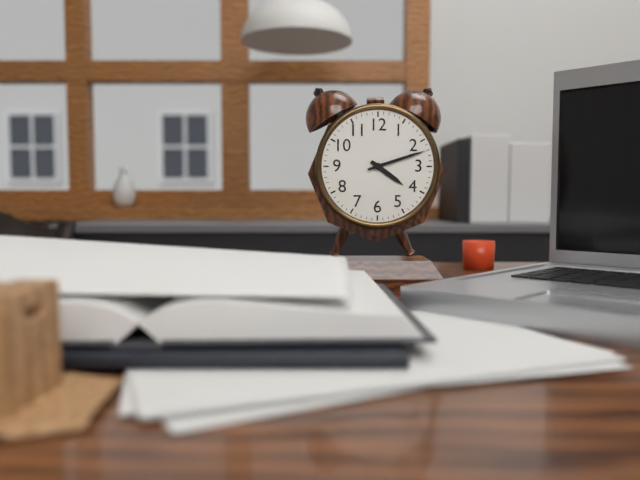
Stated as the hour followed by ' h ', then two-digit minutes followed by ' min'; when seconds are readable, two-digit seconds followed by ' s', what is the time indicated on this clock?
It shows 4 h 12 min
